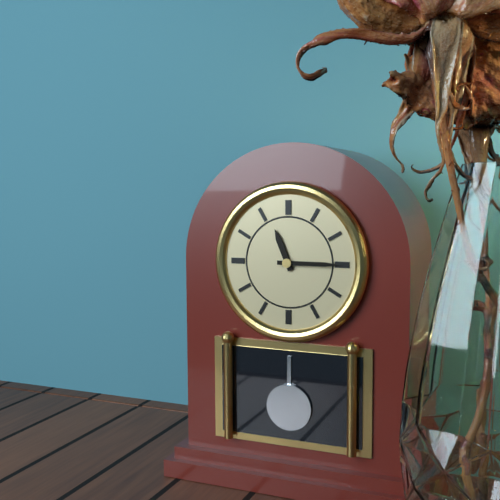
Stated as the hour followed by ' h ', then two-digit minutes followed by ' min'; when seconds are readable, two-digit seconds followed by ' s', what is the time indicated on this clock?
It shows 11 h 15 min
